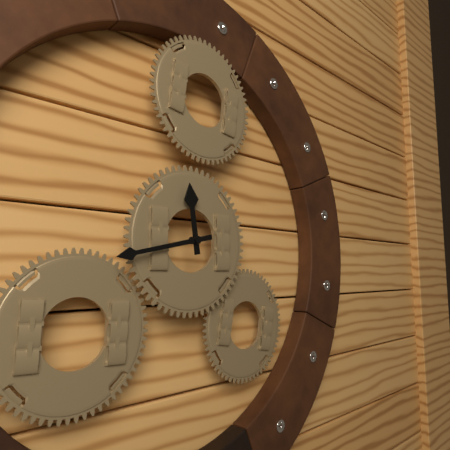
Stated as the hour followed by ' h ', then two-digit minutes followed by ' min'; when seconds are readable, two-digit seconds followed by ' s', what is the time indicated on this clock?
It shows 11 h 43 min
